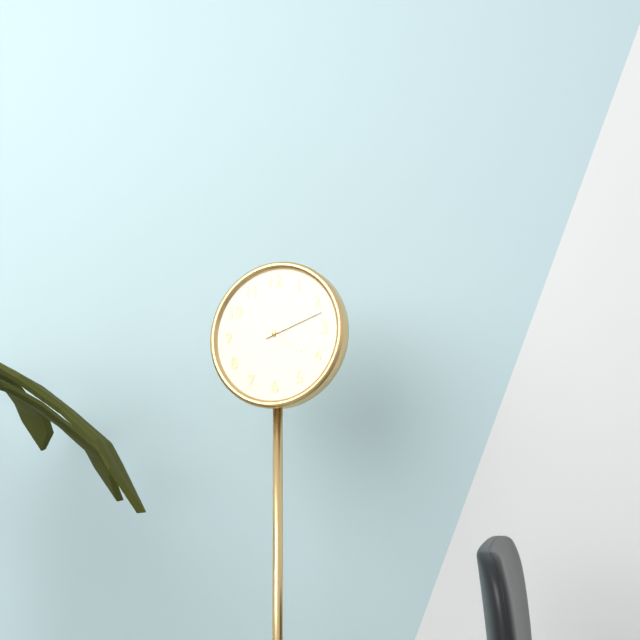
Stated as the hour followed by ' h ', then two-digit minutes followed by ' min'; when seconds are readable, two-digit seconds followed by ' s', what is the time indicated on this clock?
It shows 4 h 12 min
